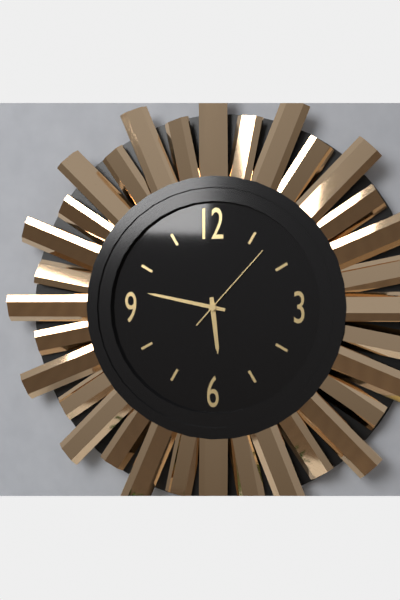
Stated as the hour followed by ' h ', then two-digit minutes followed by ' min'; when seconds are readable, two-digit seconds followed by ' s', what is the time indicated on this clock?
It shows 5 h 47 min 07 s
